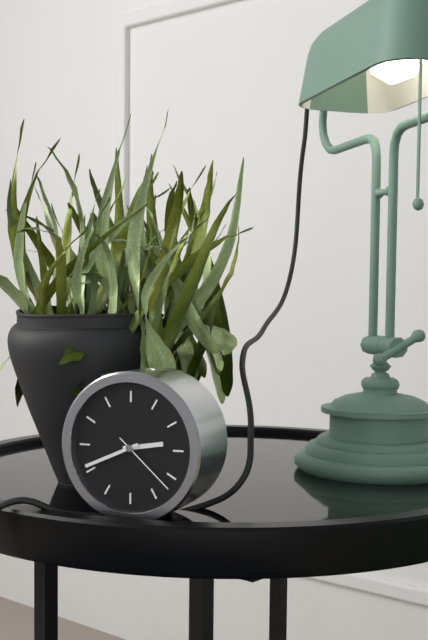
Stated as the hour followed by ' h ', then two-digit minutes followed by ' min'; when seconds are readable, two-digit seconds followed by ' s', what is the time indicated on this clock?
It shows 2 h 41 min 22 s
